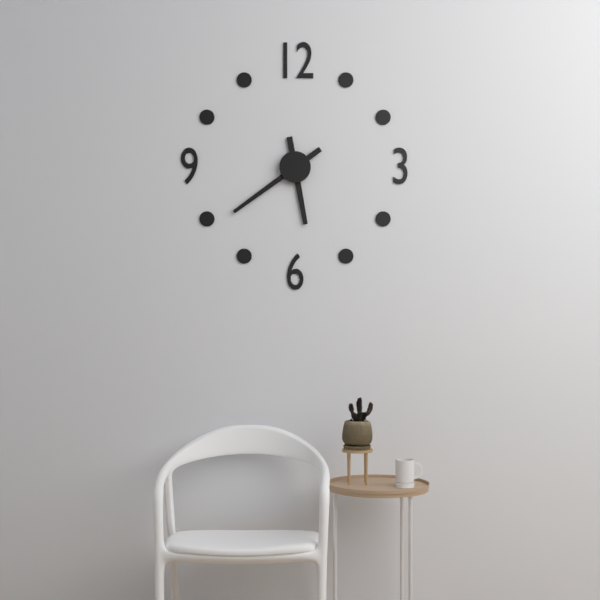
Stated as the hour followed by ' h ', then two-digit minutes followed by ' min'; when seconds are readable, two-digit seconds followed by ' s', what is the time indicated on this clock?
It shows 5 h 39 min
